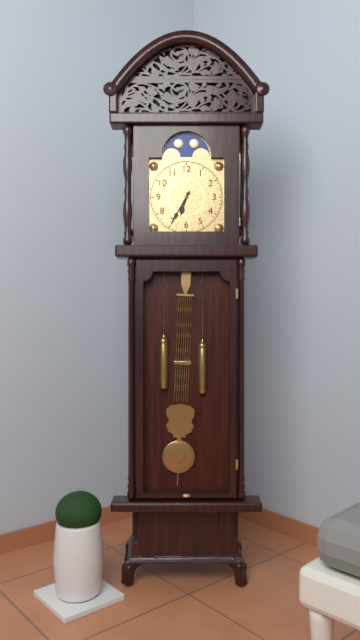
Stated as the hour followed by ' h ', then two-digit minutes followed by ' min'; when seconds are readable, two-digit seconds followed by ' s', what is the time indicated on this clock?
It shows 6 h 35 min
